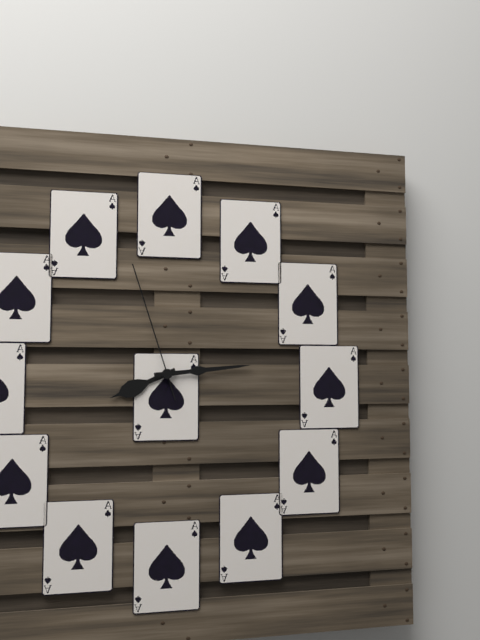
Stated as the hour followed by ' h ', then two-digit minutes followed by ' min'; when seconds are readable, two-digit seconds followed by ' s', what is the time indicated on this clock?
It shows 8 h 14 min 57 s
